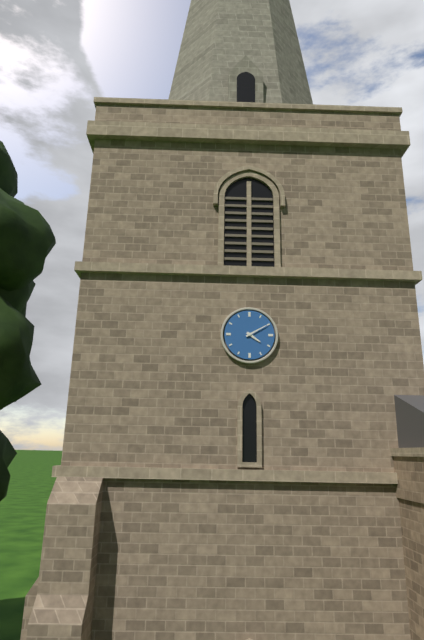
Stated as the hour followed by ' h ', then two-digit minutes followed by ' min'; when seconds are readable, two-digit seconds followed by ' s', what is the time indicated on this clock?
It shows 4 h 10 min
